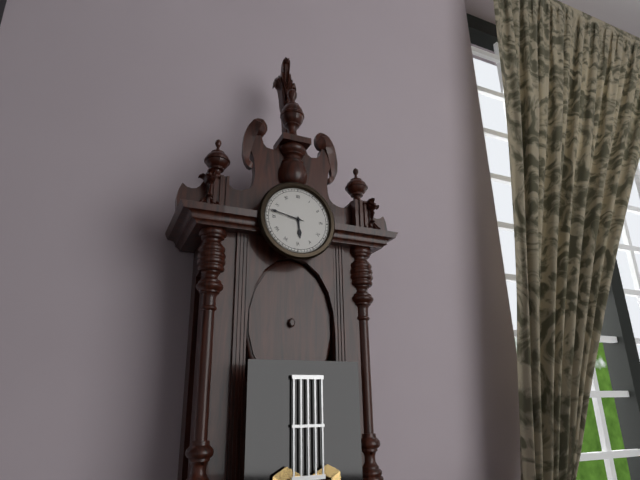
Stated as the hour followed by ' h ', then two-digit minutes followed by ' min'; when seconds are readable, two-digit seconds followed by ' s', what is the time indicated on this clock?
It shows 5 h 47 min
